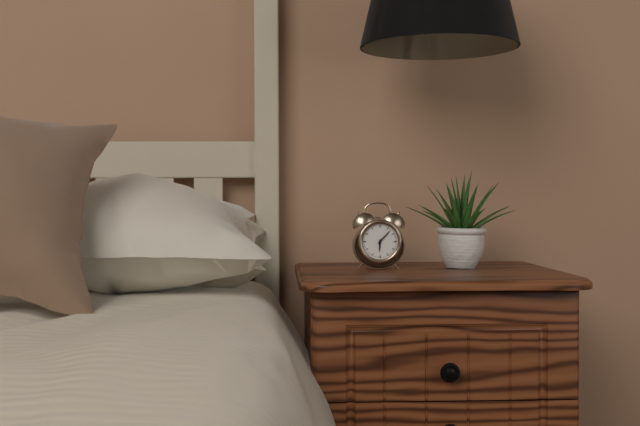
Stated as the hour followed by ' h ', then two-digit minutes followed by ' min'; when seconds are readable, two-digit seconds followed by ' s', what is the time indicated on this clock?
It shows 6 h 07 min
